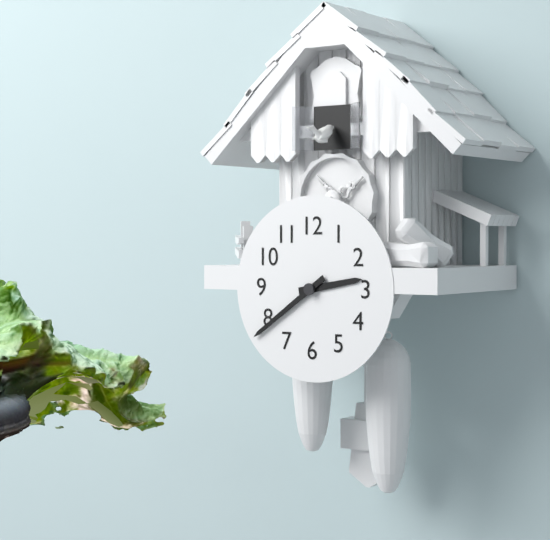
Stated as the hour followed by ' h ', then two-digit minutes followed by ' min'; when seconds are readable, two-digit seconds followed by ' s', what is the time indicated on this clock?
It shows 2 h 39 min
